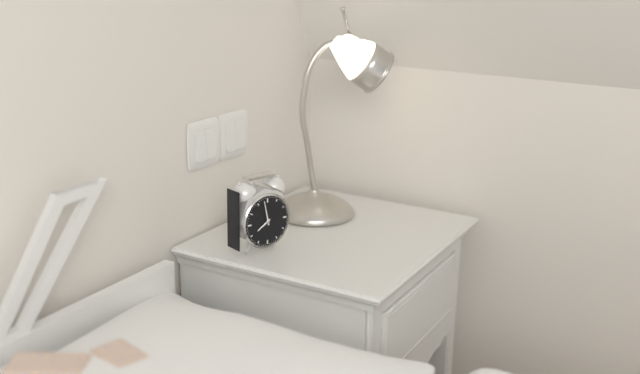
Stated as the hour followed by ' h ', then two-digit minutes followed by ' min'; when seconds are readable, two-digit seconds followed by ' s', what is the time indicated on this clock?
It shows 7 h 58 min
